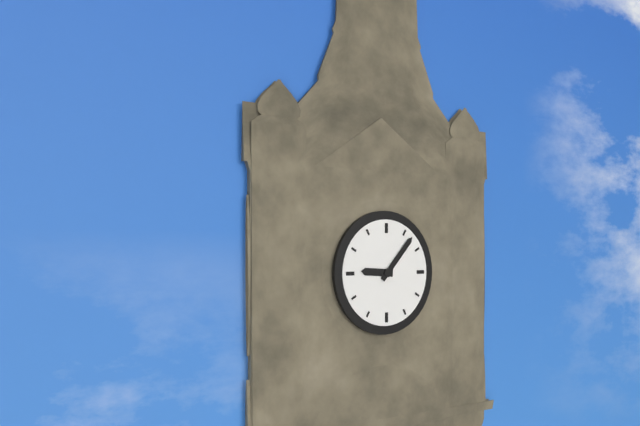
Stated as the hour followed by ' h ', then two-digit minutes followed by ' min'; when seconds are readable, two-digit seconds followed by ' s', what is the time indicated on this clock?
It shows 9 h 07 min
